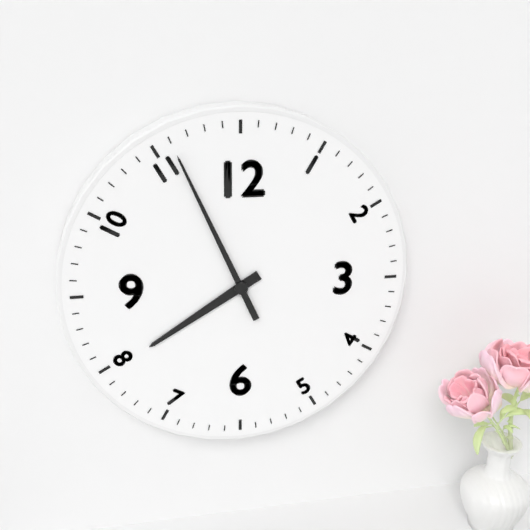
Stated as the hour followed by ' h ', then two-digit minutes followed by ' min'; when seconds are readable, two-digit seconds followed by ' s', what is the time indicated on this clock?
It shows 7 h 56 min
